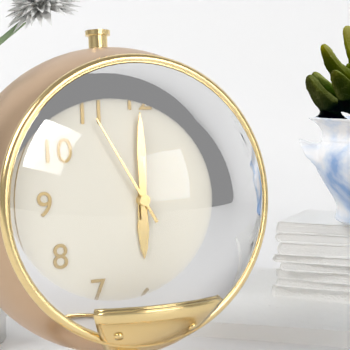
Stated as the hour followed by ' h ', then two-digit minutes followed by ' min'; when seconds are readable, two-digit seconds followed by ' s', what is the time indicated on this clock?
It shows 6 h 00 min 55 s
